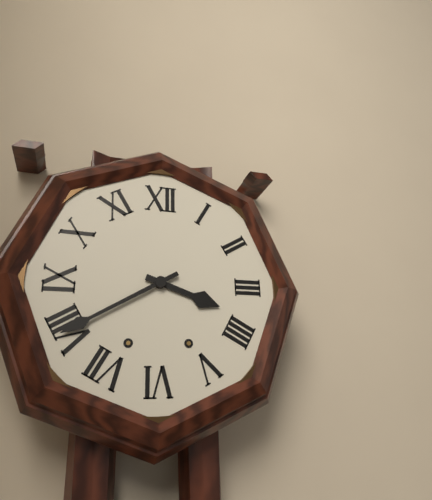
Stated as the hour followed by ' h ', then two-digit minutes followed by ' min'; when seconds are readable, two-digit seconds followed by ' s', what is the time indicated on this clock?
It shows 3 h 40 min
